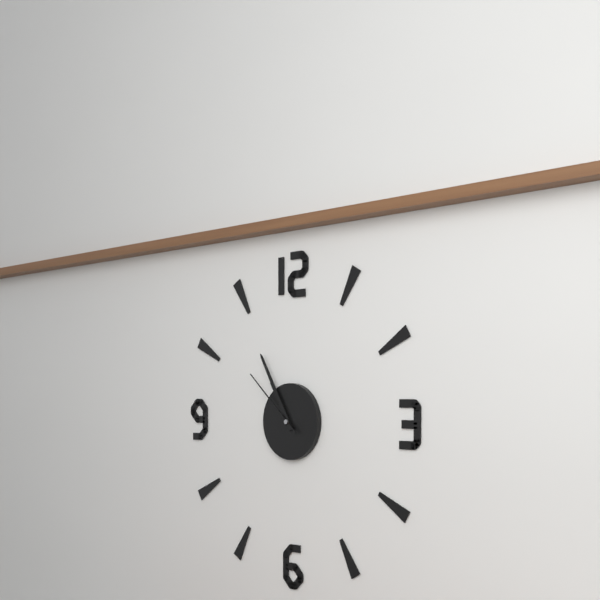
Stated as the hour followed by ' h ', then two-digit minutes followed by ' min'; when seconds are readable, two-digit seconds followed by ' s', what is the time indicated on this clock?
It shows 10 h 55 min 52 s
